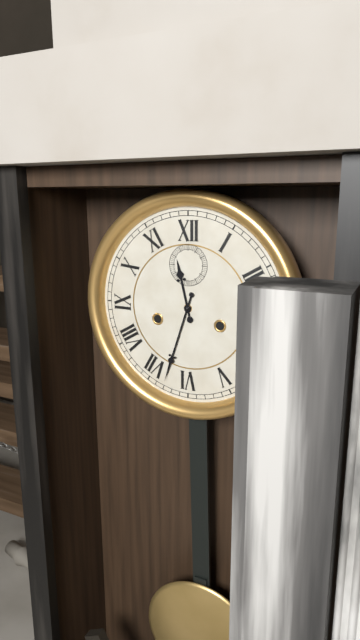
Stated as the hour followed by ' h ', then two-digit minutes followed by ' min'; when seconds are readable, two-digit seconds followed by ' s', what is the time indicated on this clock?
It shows 11 h 33 min
